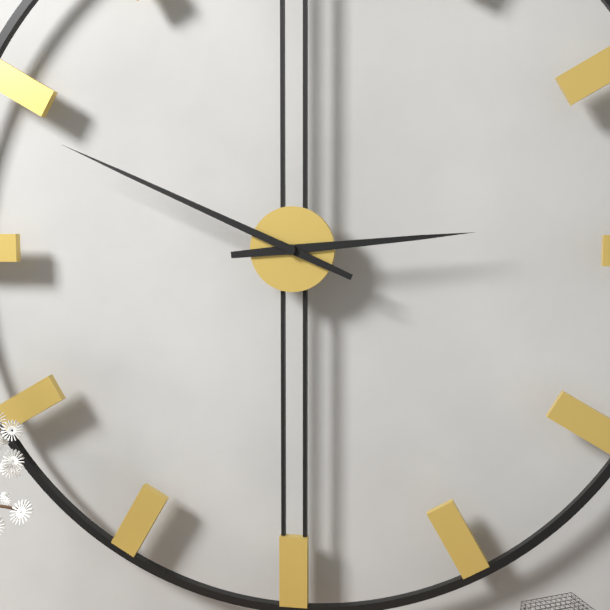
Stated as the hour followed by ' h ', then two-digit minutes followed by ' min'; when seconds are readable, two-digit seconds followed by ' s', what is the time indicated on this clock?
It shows 2 h 49 min
